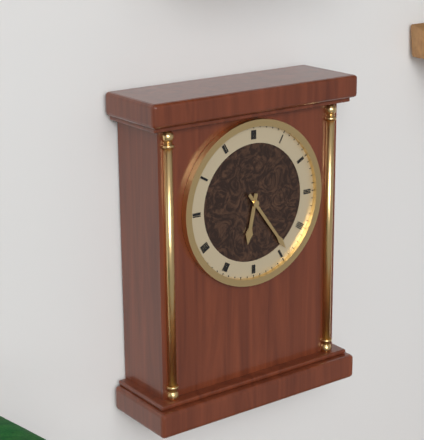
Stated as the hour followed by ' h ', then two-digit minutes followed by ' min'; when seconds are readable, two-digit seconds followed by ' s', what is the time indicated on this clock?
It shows 6 h 24 min
